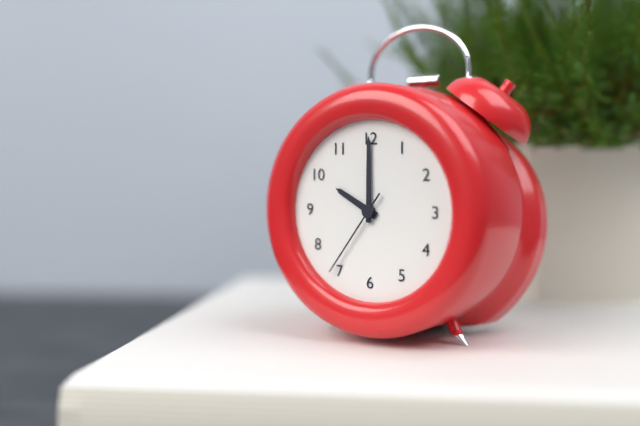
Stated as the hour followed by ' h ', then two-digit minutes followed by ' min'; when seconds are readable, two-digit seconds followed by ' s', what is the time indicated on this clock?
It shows 10 h 00 min 36 s
